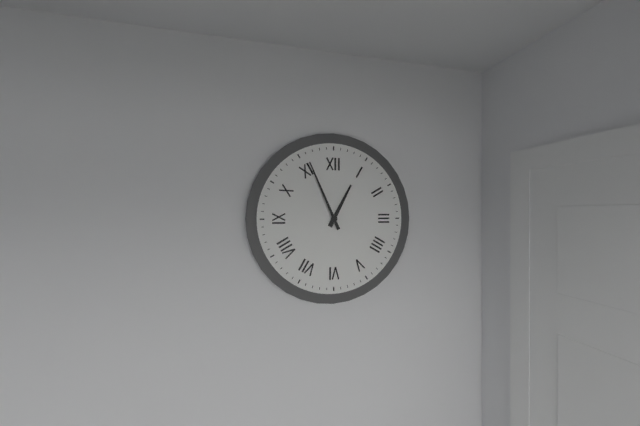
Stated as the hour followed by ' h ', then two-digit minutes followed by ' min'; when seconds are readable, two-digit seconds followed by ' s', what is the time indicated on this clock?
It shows 12 h 56 min
